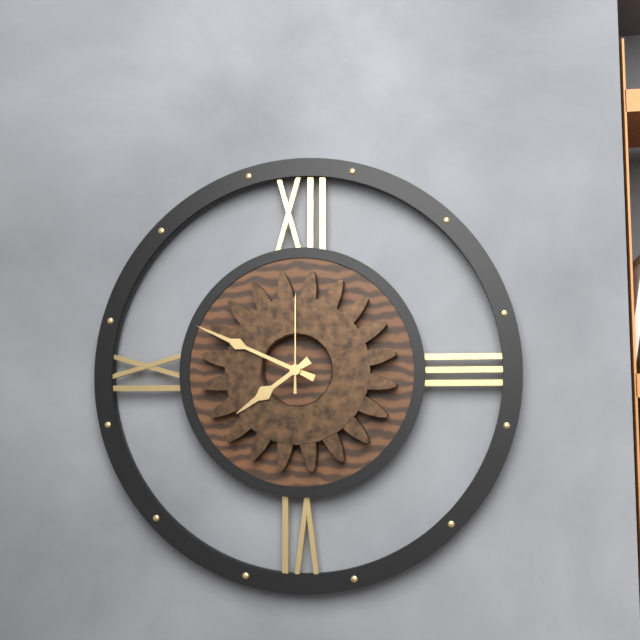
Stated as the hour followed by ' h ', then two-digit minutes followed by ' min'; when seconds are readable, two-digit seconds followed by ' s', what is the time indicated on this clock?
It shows 7 h 49 min 00 s
